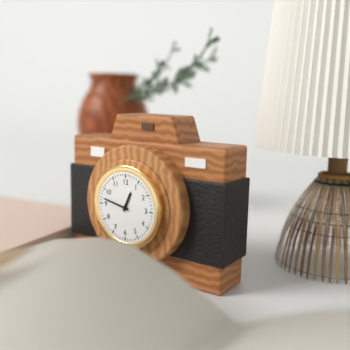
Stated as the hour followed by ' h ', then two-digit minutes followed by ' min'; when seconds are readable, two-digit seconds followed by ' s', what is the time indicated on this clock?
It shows 12 h 47 min
